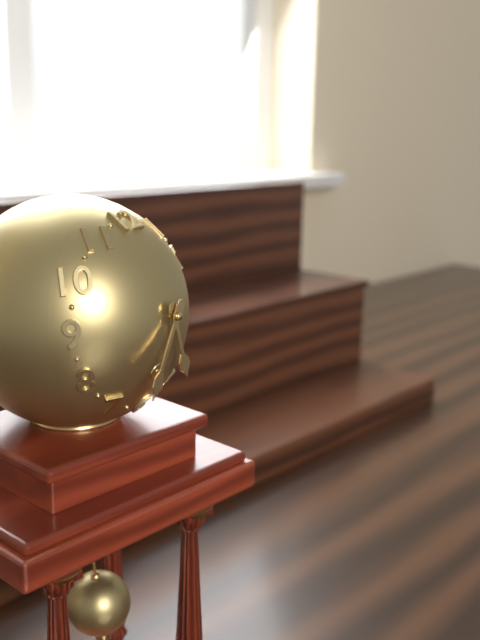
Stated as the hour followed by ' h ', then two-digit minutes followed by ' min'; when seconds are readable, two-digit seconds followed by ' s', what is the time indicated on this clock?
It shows 5 h 36 min
